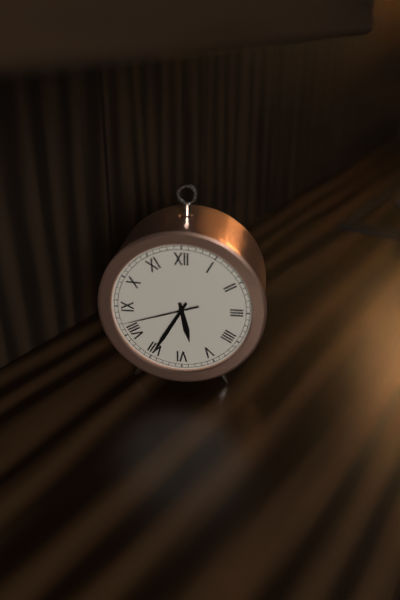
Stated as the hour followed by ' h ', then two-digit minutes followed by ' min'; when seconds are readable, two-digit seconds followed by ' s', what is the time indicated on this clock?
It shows 5 h 35 min 42 s
